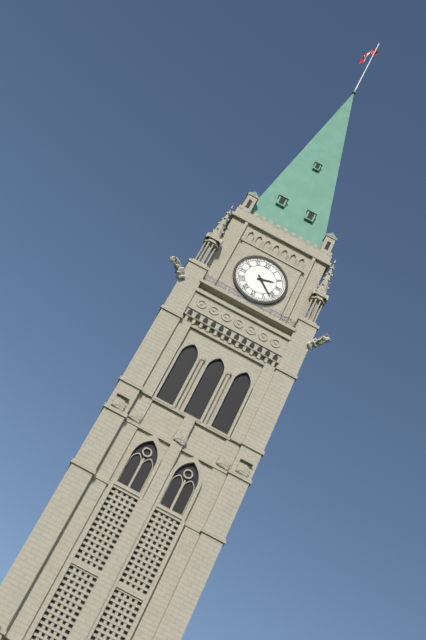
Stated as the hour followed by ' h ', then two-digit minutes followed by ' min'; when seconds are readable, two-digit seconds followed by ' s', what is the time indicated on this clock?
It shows 2 h 22 min
